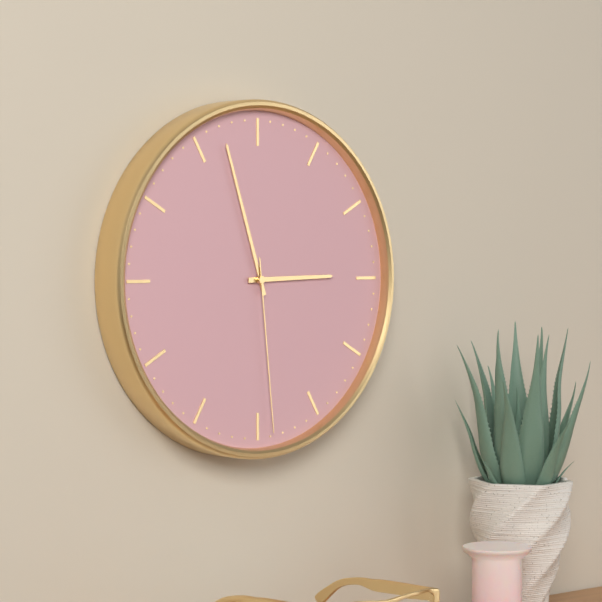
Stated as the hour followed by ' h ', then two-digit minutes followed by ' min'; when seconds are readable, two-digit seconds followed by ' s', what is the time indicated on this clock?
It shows 2 h 57 min 29 s
